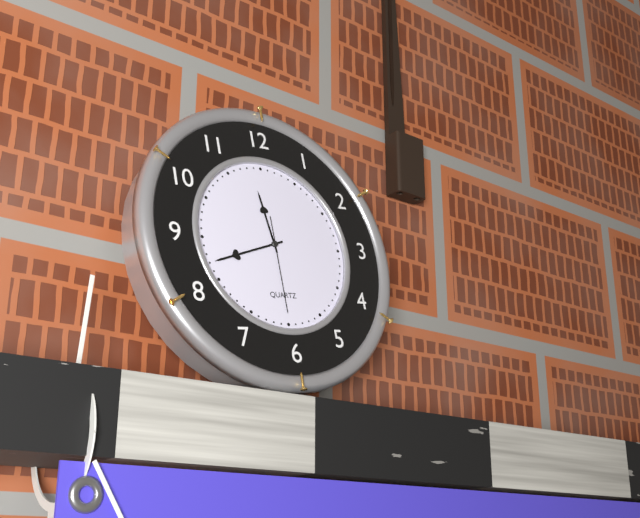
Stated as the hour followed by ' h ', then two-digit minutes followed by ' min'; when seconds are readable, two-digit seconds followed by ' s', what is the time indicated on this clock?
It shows 11 h 42 min 30 s
